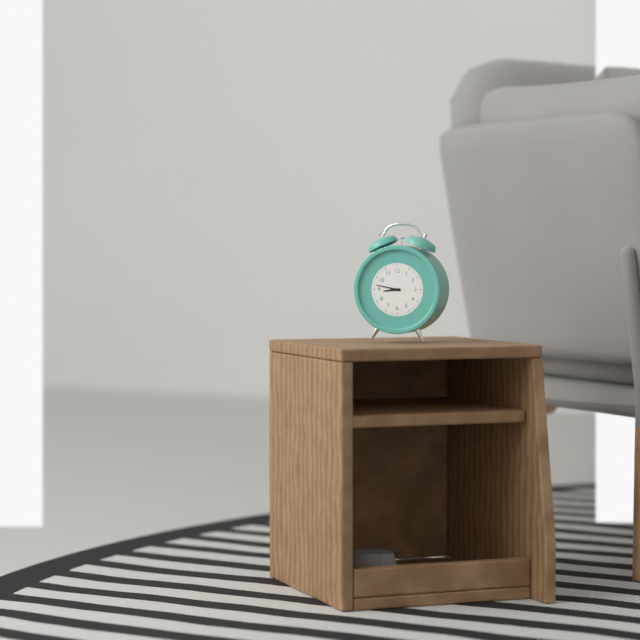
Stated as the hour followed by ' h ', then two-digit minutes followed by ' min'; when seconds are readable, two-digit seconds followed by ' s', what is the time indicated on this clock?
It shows 8 h 47 min
